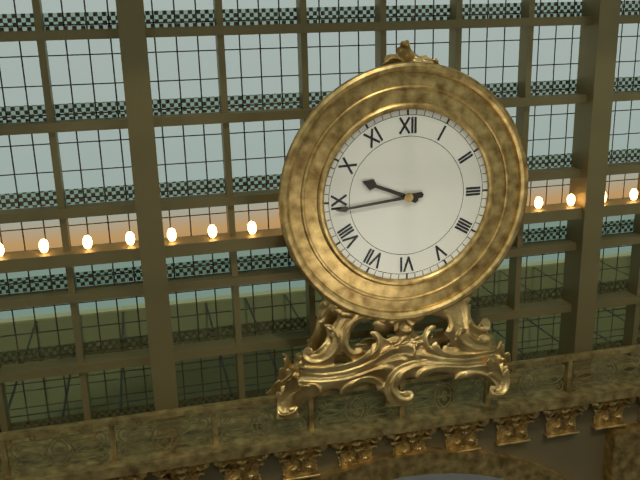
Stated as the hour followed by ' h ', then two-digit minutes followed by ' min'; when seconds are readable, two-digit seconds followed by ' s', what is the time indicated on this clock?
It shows 9 h 44 min
